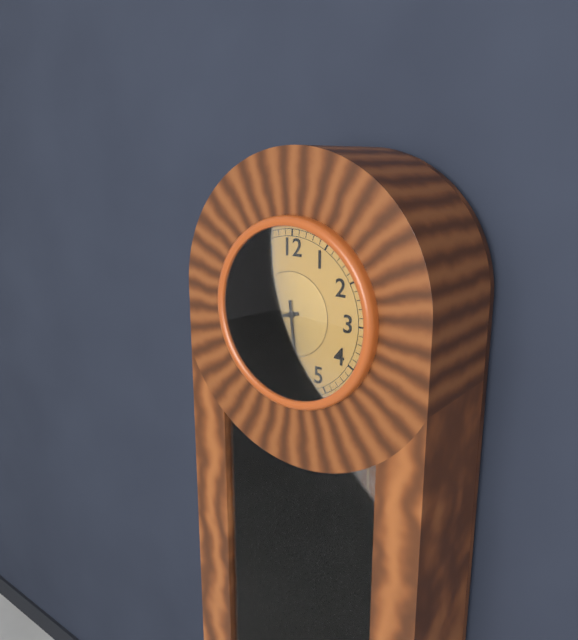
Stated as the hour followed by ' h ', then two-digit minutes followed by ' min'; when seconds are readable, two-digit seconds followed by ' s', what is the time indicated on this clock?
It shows 8 h 29 min
